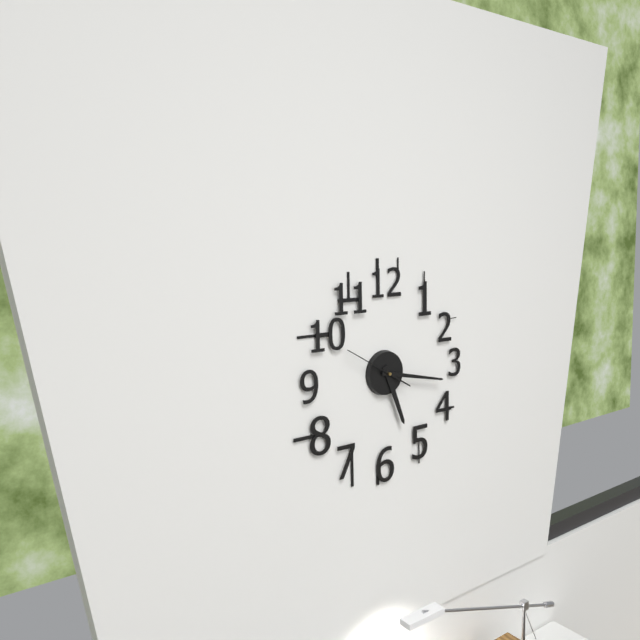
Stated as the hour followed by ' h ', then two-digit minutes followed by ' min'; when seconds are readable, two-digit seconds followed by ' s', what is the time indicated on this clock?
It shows 5 h 17 min 50 s
